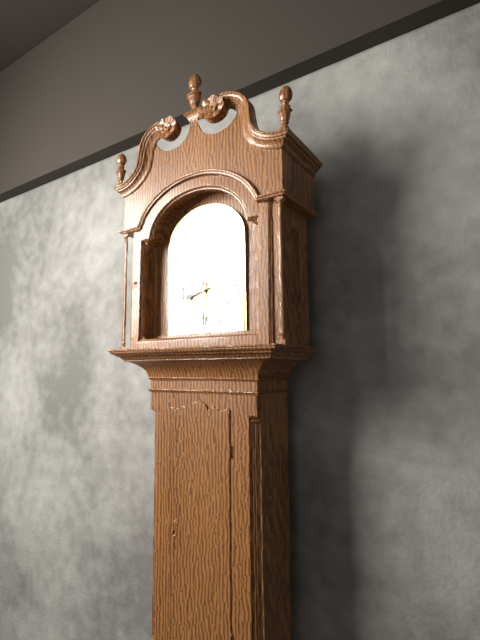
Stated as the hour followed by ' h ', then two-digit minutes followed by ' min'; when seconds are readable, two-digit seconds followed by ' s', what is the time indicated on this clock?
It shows 8 h 30 min
